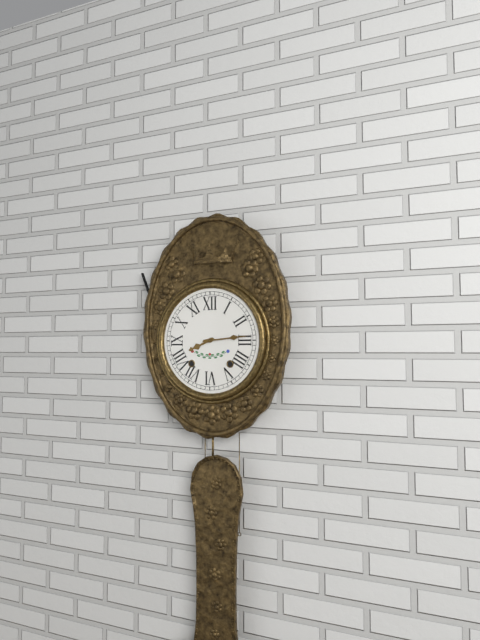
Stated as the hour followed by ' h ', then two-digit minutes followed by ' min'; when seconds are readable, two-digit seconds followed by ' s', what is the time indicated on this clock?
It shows 8 h 14 min
